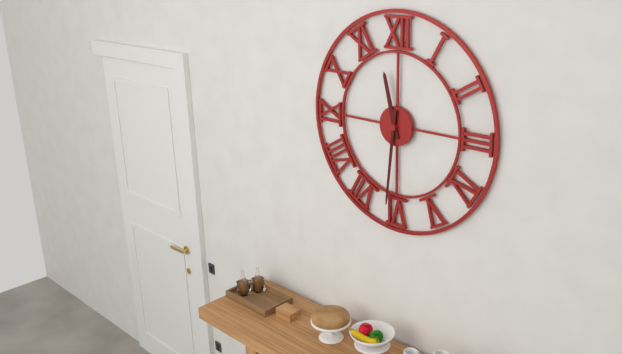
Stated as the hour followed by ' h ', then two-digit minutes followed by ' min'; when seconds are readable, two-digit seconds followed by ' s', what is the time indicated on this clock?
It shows 11 h 31 min
